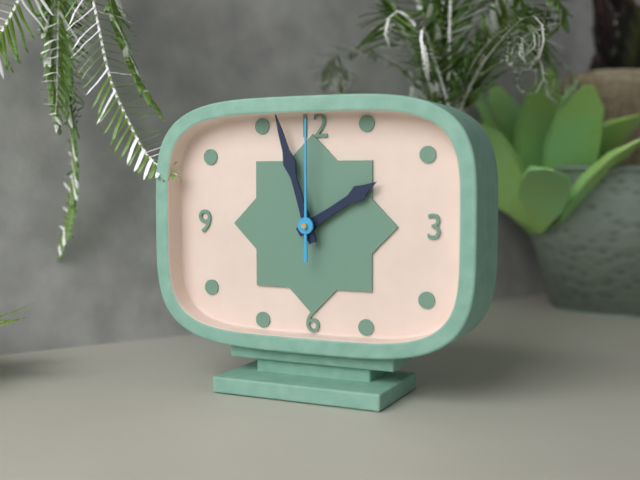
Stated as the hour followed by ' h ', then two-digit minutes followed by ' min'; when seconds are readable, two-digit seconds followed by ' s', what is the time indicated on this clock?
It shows 1 h 57 min 00 s
